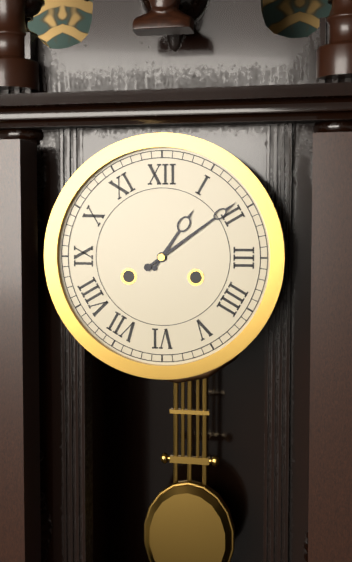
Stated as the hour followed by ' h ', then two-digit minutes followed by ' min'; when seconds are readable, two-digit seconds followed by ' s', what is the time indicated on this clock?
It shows 1 h 09 min
